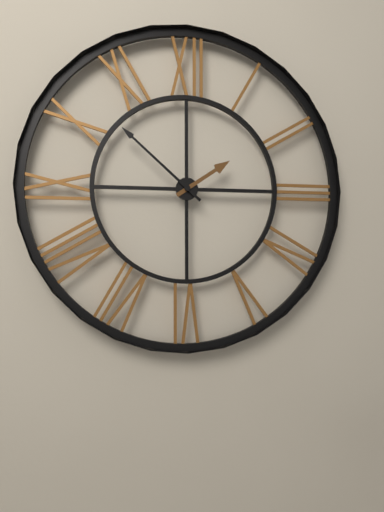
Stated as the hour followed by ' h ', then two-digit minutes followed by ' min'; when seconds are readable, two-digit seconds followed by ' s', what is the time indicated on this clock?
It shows 1 h 52 min
